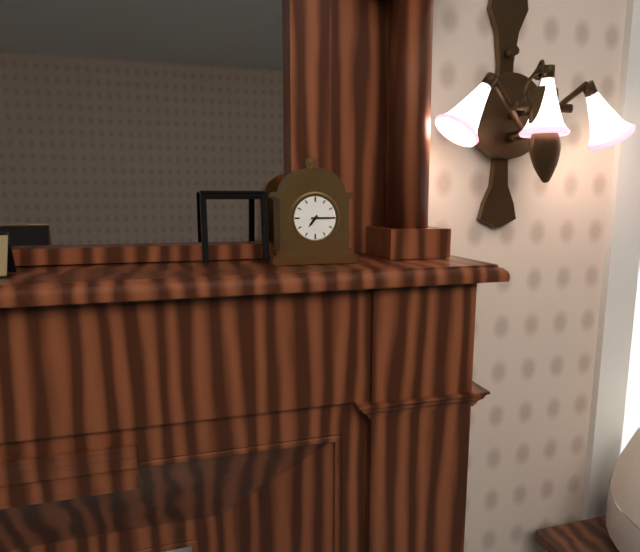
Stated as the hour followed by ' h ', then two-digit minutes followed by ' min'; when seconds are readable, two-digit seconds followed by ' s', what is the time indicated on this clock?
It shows 7 h 15 min
